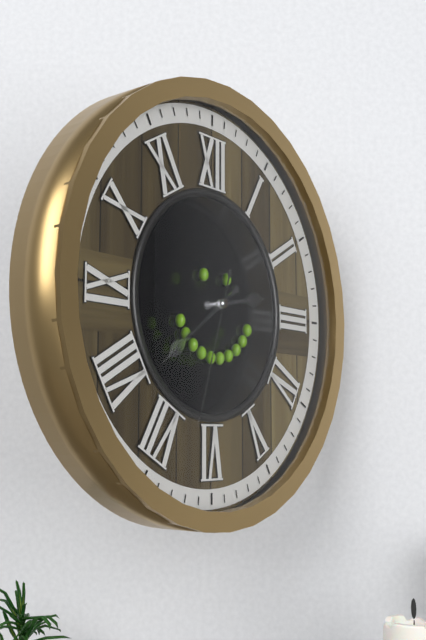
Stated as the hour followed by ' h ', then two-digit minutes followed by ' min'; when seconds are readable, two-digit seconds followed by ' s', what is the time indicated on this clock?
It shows 2 h 39 min 33 s
